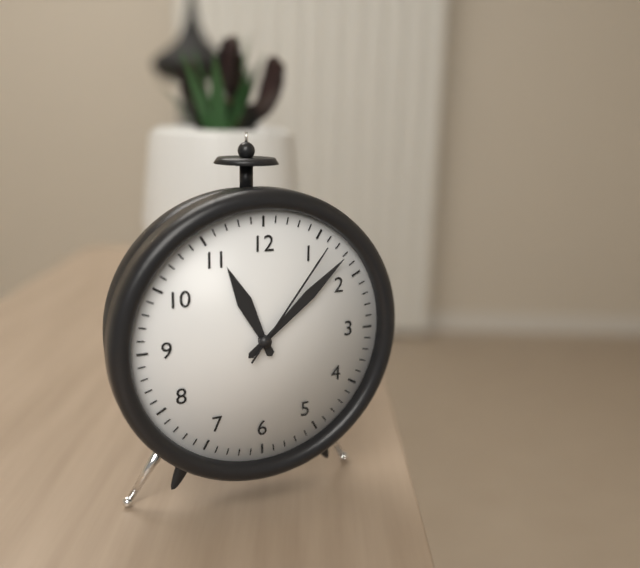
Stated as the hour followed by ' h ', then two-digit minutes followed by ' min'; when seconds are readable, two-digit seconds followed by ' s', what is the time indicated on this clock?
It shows 11 h 08 min 06 s
